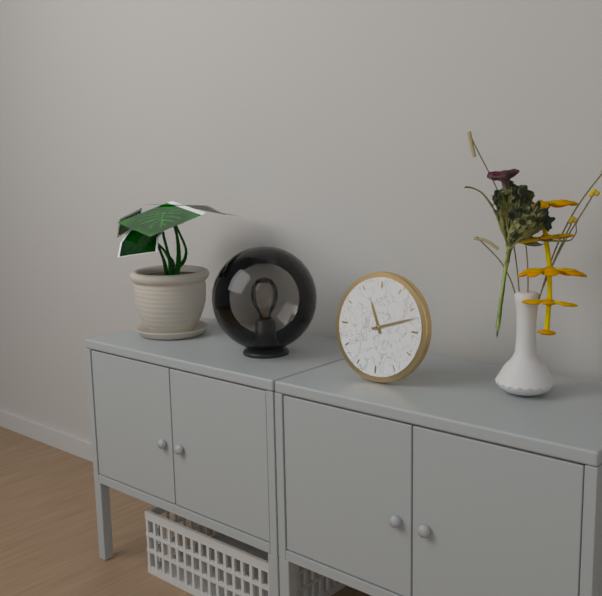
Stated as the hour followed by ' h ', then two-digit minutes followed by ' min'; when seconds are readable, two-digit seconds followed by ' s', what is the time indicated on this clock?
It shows 11 h 12 min
